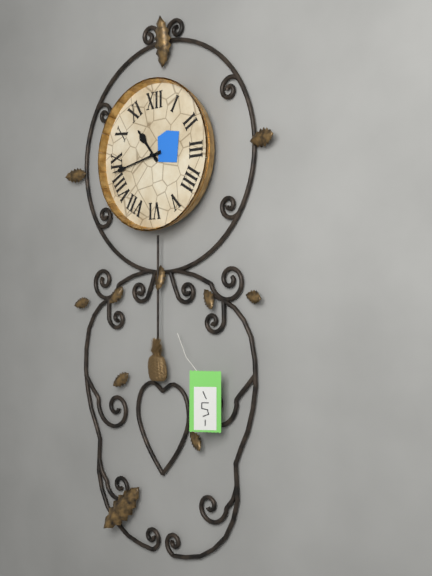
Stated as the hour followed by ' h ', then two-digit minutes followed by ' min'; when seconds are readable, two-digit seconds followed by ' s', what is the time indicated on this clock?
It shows 10 h 43 min
